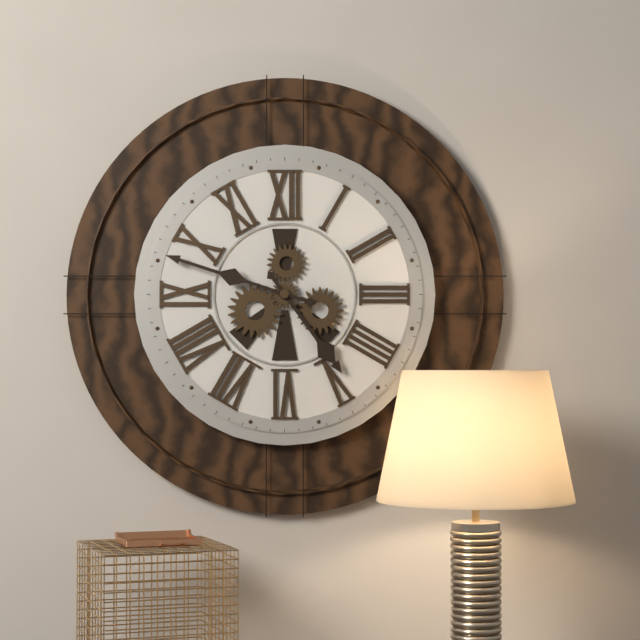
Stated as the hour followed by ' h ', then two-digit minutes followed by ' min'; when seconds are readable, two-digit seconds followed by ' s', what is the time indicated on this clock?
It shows 4 h 48 min
